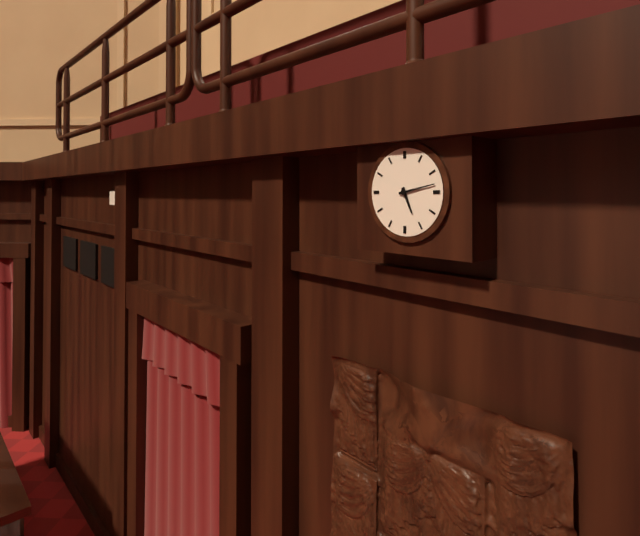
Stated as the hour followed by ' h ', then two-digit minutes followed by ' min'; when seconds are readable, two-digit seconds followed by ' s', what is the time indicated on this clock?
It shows 5 h 13 min
